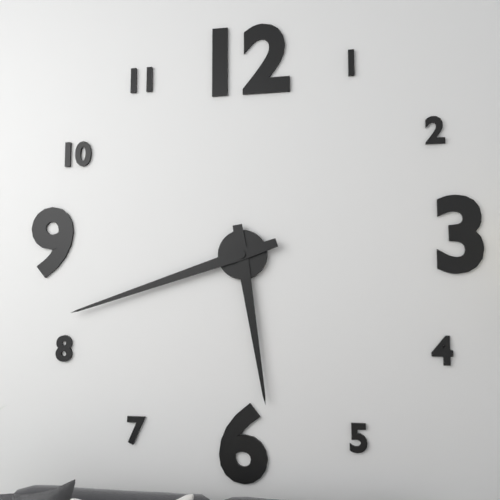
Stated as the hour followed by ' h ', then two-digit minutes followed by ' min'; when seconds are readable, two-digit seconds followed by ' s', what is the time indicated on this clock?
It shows 5 h 42 min
